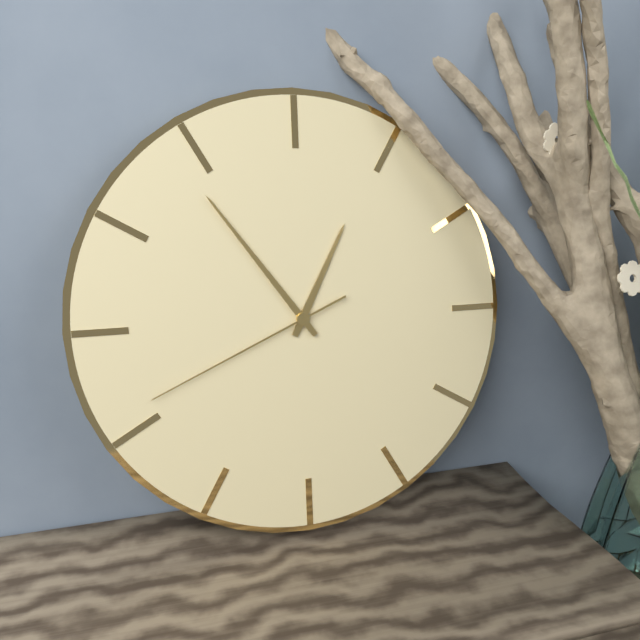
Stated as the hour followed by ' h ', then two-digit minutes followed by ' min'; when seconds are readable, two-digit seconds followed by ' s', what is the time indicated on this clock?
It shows 12 h 54 min 41 s
